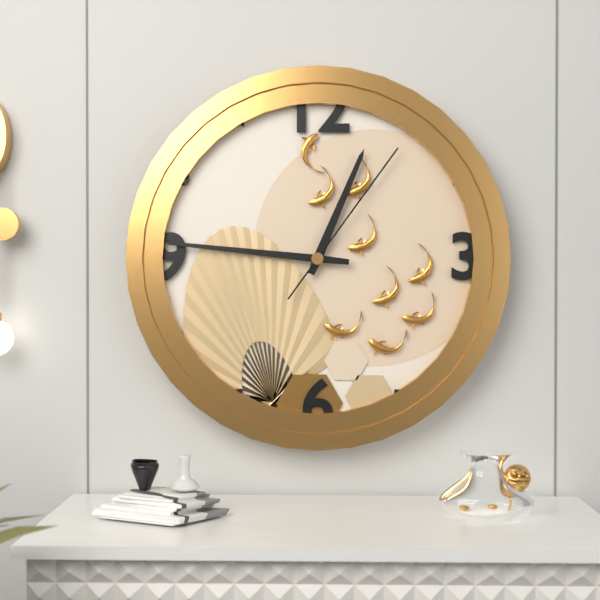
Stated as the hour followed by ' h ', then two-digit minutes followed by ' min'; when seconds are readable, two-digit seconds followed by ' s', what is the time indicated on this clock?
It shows 12 h 46 min 06 s
